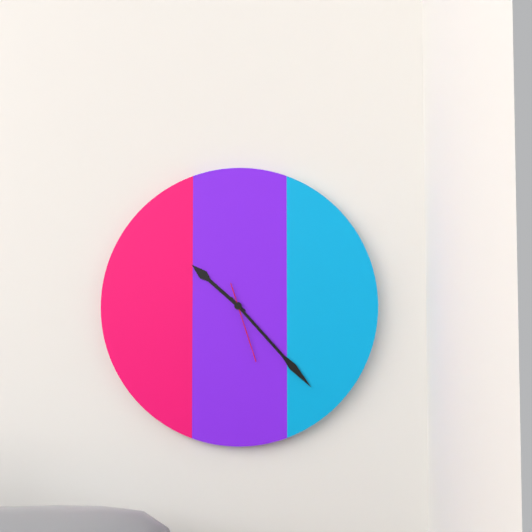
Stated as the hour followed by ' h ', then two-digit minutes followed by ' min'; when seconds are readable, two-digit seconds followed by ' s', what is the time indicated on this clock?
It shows 10 h 23 min 27 s
